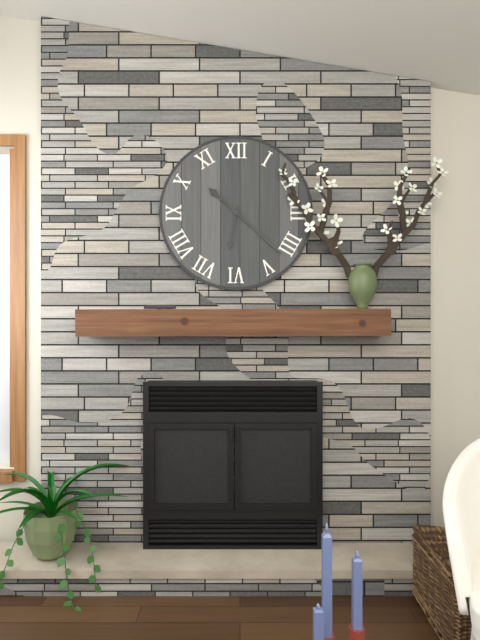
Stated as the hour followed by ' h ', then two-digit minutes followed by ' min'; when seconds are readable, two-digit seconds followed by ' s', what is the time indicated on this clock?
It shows 6 h 22 min
